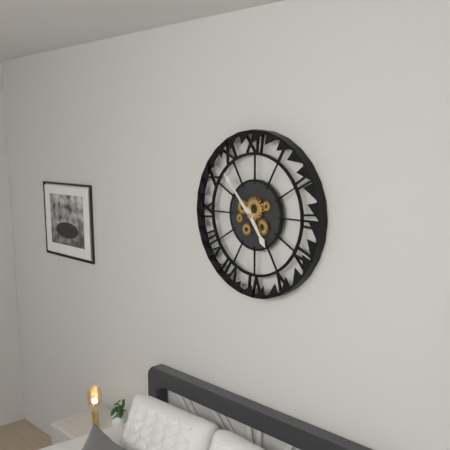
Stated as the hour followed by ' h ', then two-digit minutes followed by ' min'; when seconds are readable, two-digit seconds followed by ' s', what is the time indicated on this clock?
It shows 4 h 53 min
